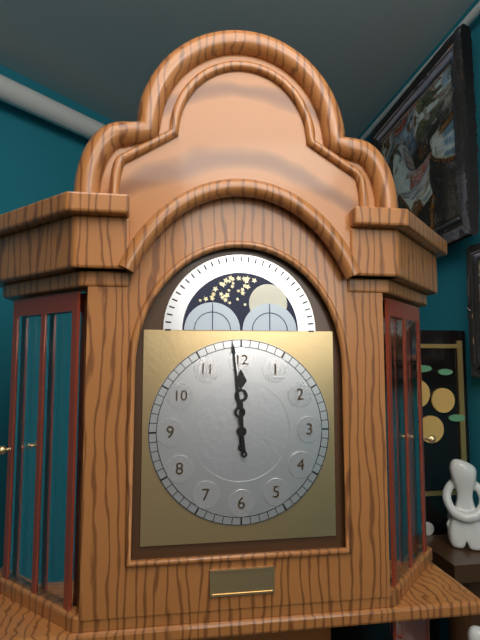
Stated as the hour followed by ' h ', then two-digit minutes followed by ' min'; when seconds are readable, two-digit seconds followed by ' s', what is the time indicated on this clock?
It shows 11 h 59 min
